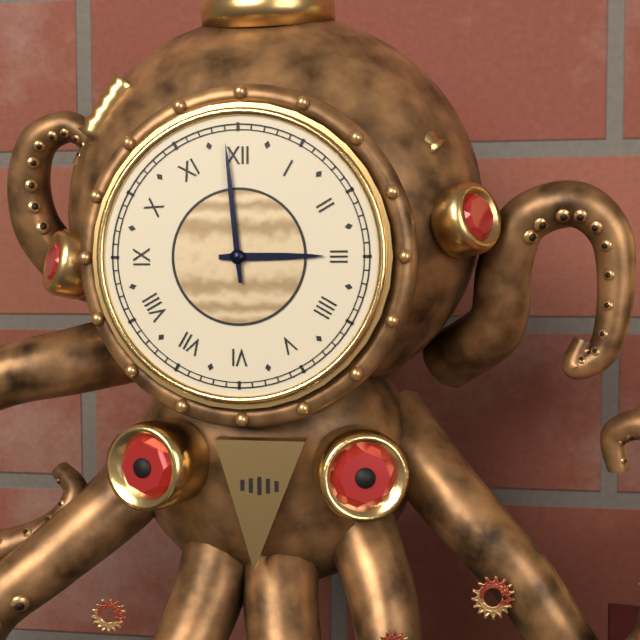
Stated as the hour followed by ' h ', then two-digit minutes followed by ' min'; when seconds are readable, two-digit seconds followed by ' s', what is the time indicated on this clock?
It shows 2 h 59 min
